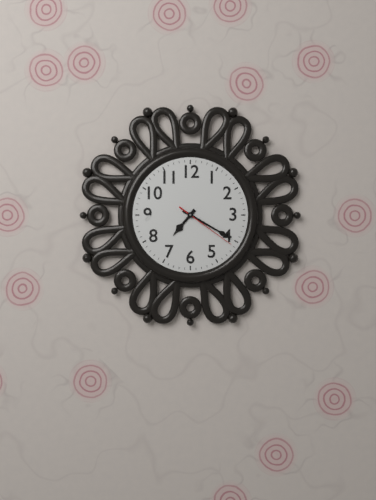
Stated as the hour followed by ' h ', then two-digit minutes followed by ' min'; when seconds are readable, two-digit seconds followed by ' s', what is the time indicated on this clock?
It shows 7 h 20 min 21 s
